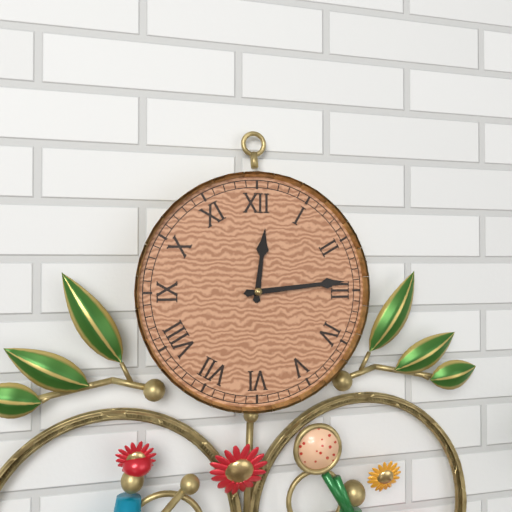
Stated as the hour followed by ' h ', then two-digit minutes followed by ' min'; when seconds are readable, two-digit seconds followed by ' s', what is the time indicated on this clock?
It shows 12 h 14 min
